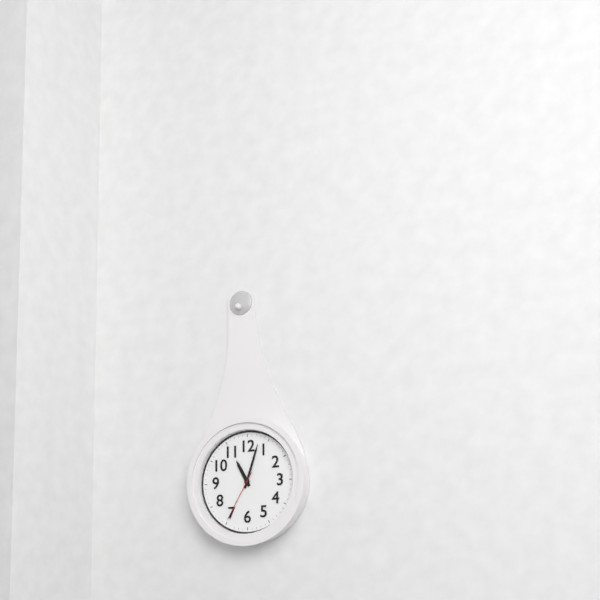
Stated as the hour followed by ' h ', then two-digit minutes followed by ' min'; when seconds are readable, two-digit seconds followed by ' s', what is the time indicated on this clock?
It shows 11 h 03 min 35 s
